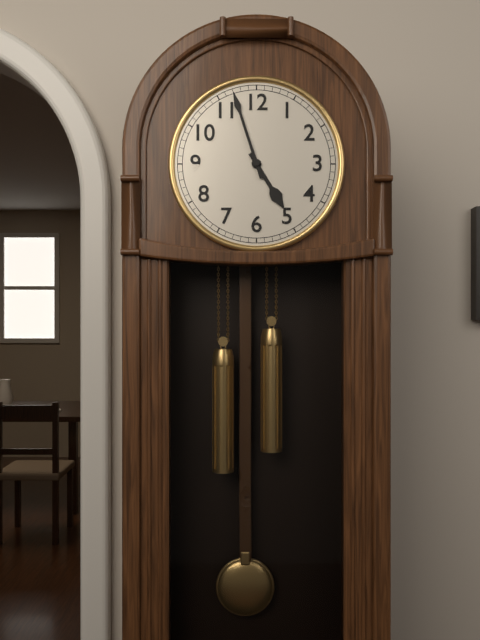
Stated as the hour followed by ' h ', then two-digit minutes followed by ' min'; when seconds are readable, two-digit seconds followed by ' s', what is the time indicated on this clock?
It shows 4 h 57 min
